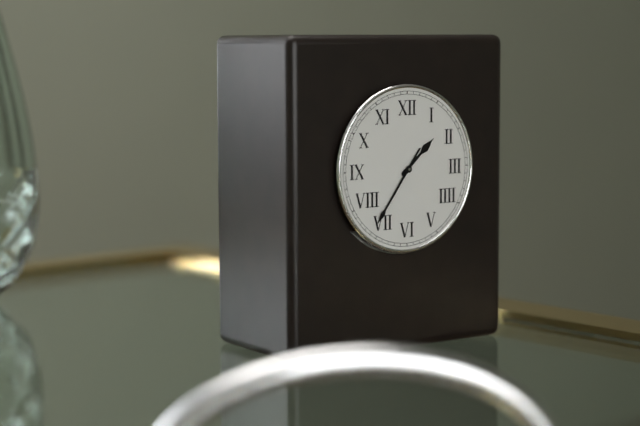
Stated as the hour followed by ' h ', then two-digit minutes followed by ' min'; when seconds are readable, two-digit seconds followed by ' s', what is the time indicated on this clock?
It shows 1 h 36 min
